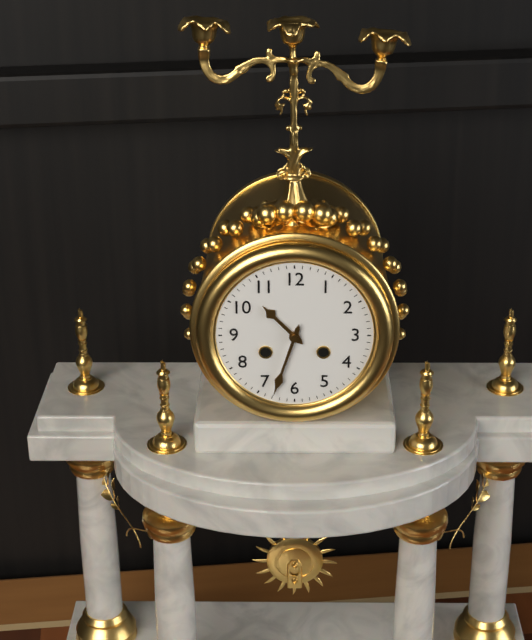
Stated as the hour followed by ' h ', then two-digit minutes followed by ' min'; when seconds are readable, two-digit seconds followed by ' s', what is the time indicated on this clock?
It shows 10 h 33 min
